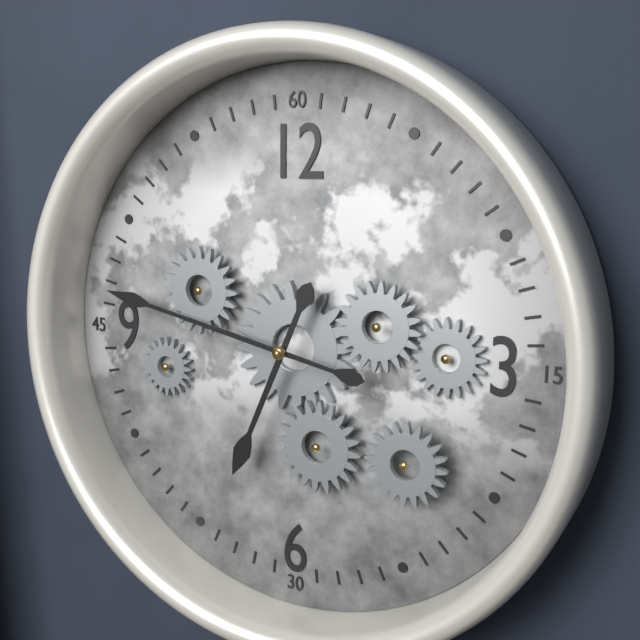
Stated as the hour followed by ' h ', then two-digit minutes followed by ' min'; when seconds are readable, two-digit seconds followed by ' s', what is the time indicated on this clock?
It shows 6 h 47 min
